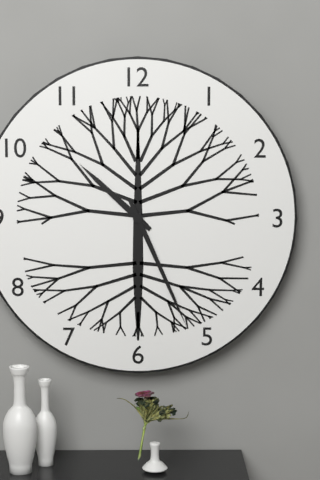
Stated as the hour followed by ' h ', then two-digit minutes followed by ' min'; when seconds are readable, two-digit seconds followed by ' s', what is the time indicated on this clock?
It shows 10 h 26 min
